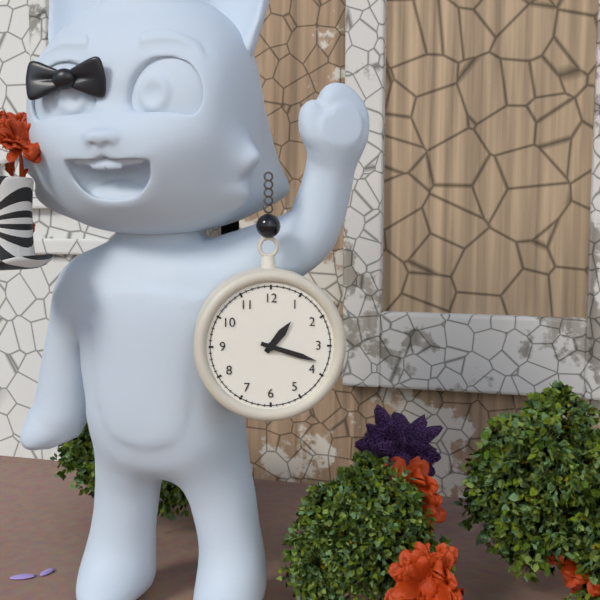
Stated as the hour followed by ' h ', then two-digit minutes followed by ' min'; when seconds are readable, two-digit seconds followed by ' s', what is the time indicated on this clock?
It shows 1 h 18 min
